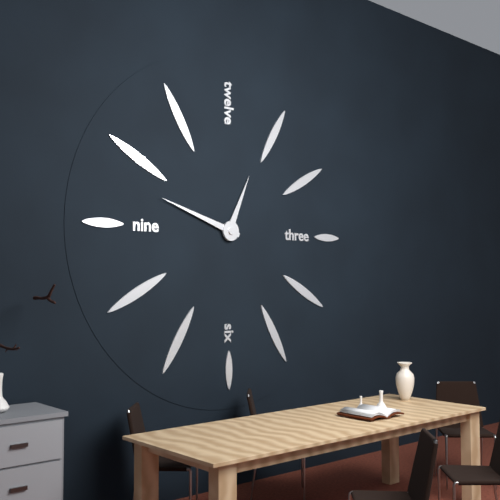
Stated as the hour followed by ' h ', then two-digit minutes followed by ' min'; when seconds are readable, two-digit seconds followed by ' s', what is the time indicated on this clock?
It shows 12 h 48 min
